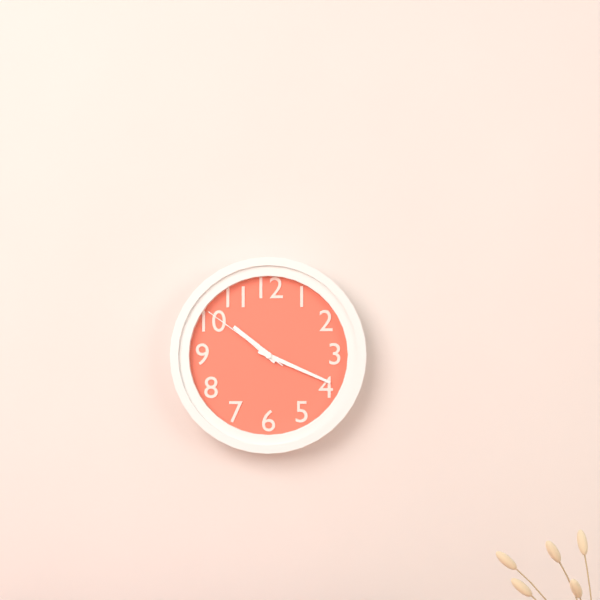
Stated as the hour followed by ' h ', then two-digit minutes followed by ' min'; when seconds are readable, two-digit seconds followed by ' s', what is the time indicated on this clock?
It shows 10 h 19 min 51 s
